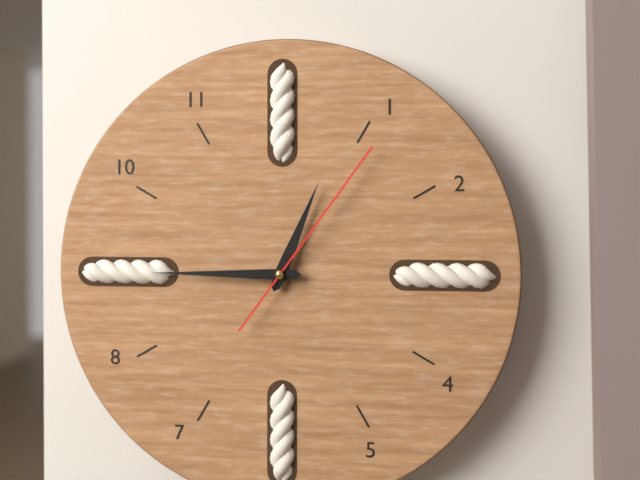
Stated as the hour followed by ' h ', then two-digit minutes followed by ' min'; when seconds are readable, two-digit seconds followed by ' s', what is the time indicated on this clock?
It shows 12 h 45 min 06 s
